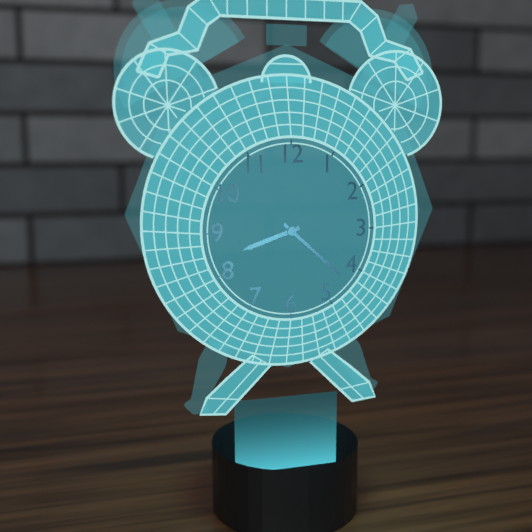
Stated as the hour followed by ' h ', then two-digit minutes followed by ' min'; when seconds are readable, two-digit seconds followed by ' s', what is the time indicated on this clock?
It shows 8 h 22 min
